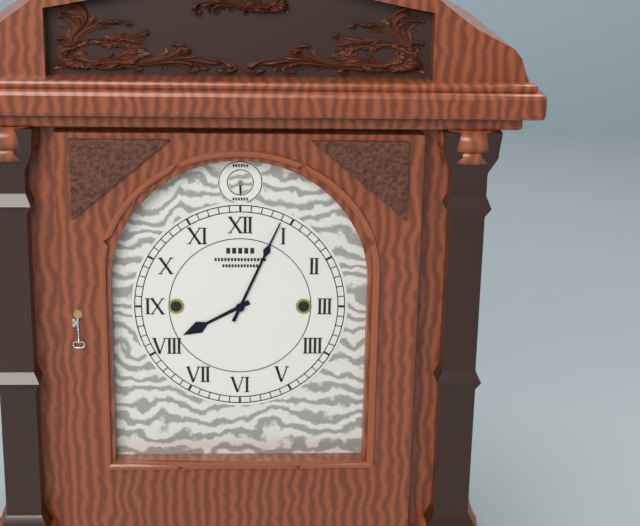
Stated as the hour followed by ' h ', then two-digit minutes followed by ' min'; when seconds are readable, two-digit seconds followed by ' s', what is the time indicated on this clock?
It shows 8 h 04 min
